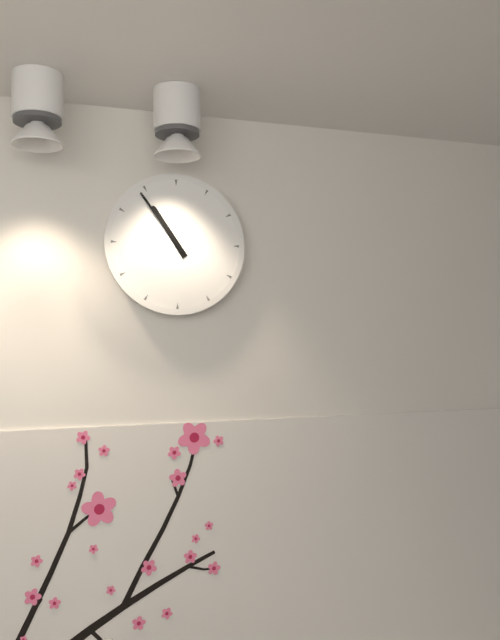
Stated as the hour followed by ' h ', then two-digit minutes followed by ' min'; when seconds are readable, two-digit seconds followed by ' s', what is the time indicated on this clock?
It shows 10 h 54 min
